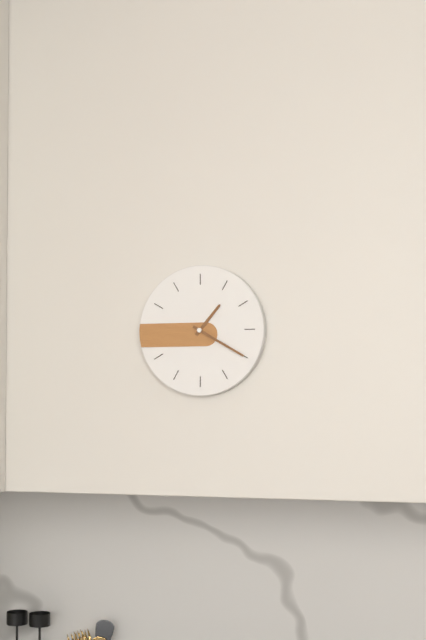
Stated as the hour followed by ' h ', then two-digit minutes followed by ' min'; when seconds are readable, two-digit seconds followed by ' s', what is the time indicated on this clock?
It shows 1 h 20 min
